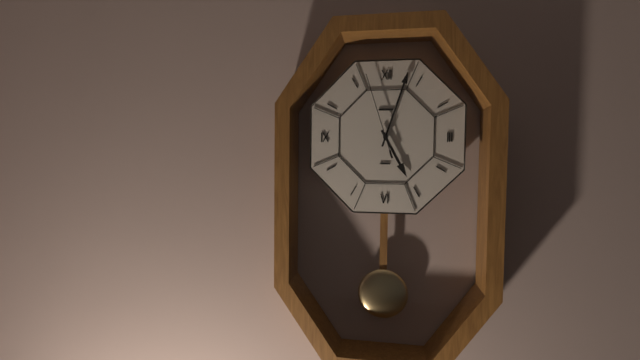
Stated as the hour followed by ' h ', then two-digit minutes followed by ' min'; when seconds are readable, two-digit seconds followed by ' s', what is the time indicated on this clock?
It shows 5 h 03 min 57 s
